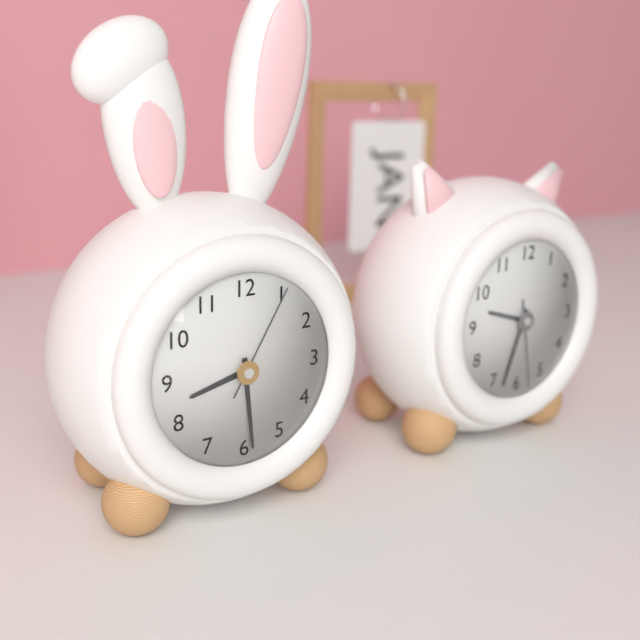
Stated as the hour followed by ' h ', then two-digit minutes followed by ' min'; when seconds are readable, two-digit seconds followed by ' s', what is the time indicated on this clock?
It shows 8 h 29 min 05 s
